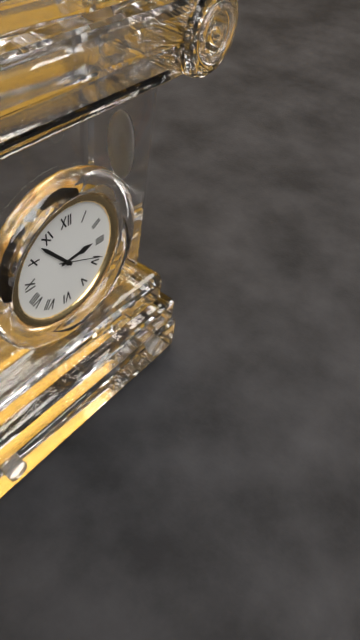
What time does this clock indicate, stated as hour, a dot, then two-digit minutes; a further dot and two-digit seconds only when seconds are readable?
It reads 2.53
